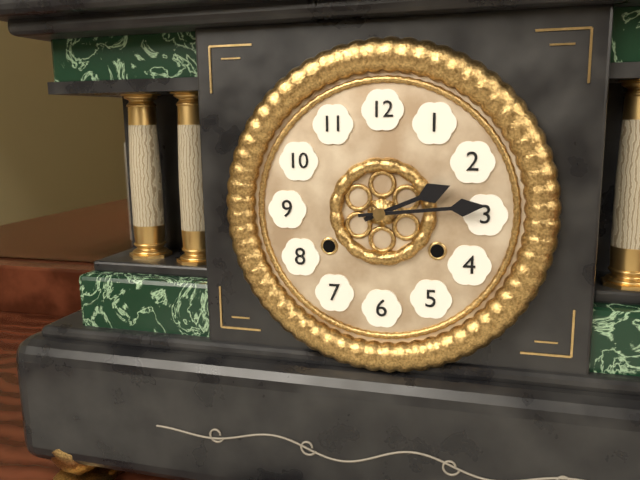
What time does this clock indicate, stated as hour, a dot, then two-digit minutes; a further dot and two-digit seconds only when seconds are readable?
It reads 2.14
